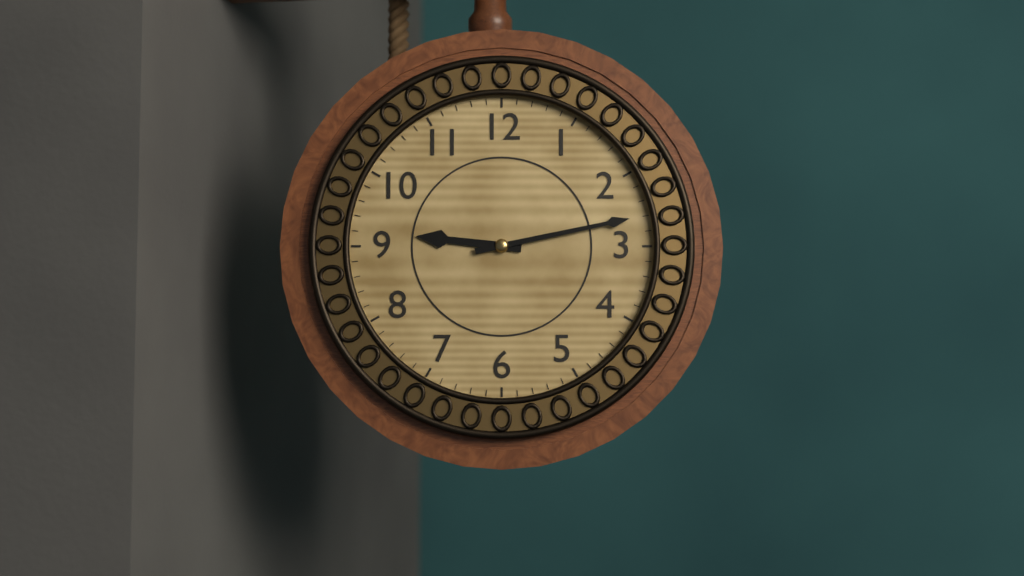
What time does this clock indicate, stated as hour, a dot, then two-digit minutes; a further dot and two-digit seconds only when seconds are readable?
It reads 9.13
